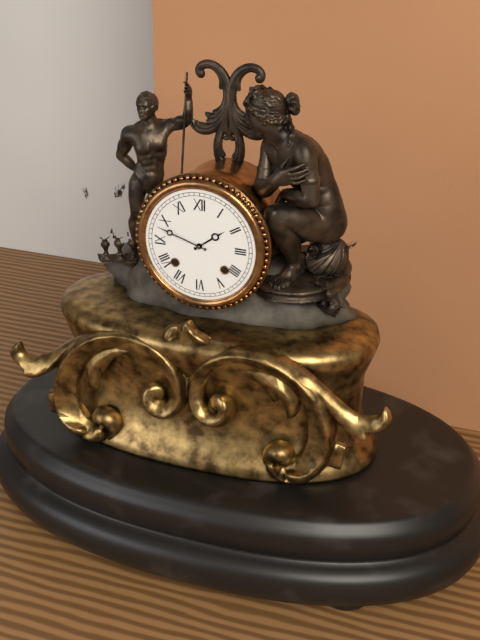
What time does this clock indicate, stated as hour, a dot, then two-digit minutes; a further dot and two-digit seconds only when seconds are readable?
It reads 1.48
